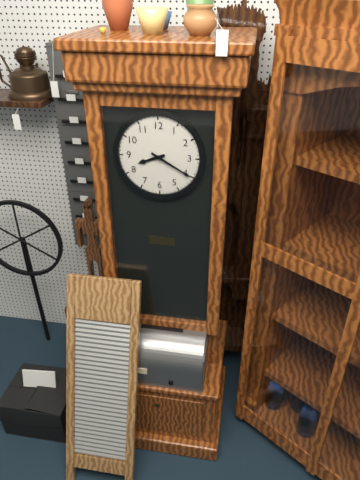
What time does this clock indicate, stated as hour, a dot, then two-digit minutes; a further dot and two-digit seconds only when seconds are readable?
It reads 8.20
